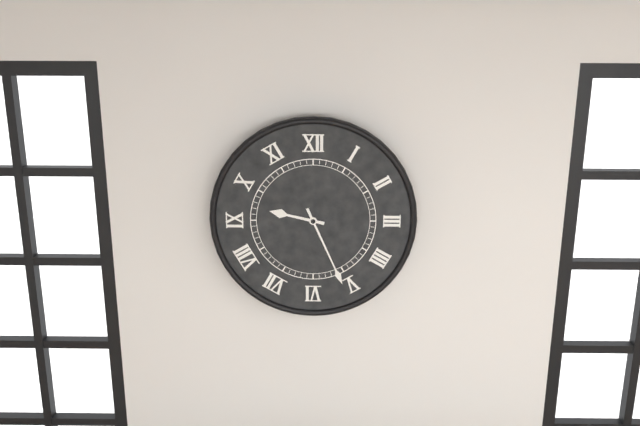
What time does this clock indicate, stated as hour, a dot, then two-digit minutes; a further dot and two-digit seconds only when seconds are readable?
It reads 9.26
